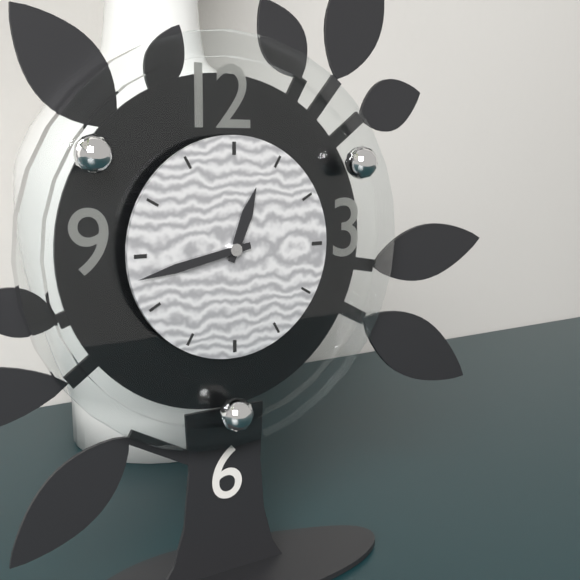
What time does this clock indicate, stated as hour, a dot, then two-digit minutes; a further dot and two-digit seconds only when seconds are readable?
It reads 12.43
